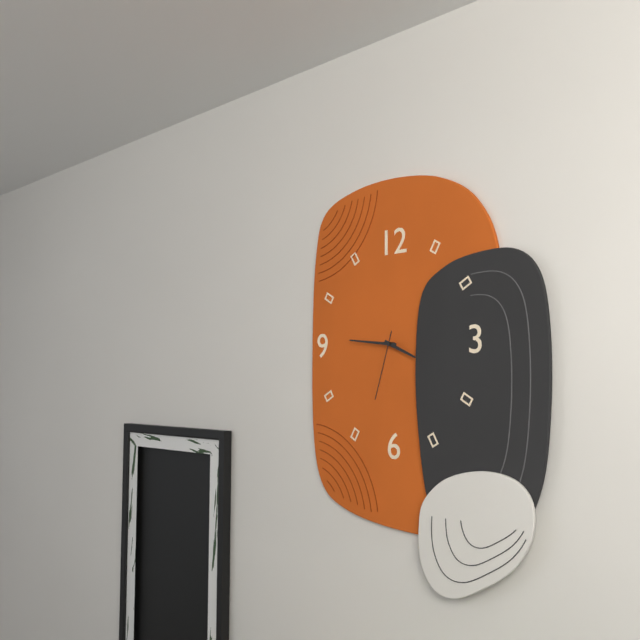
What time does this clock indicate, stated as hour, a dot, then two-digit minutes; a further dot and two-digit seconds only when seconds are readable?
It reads 3.46.33
